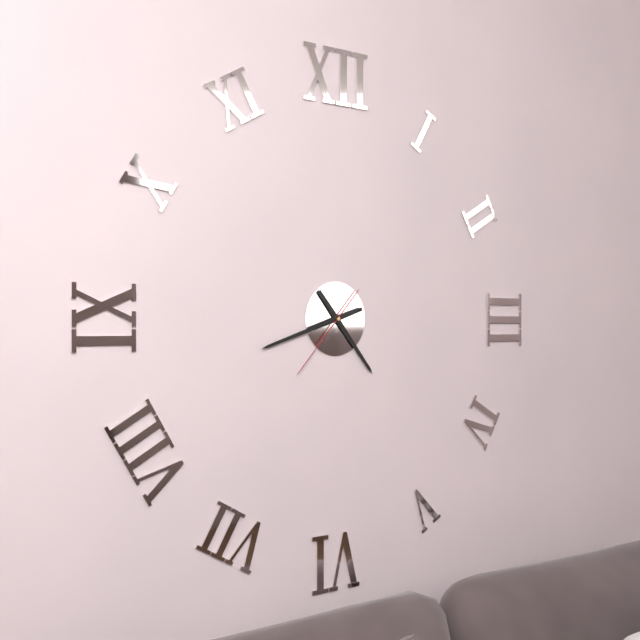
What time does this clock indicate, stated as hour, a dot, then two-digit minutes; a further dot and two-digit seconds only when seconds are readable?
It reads 4.42.37
